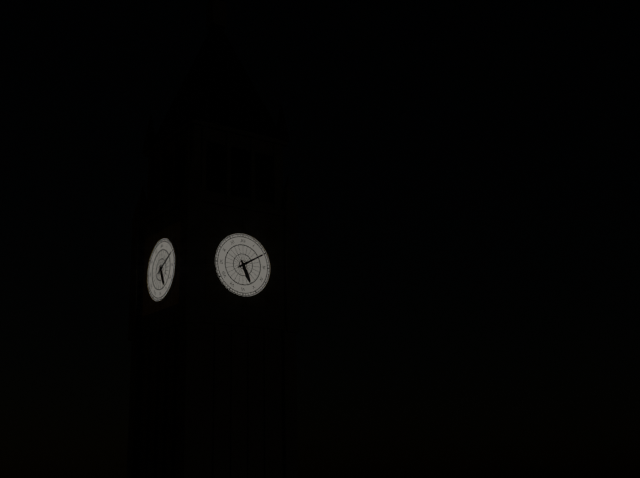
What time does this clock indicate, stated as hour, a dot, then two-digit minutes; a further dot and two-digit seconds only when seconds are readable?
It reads 5.10
